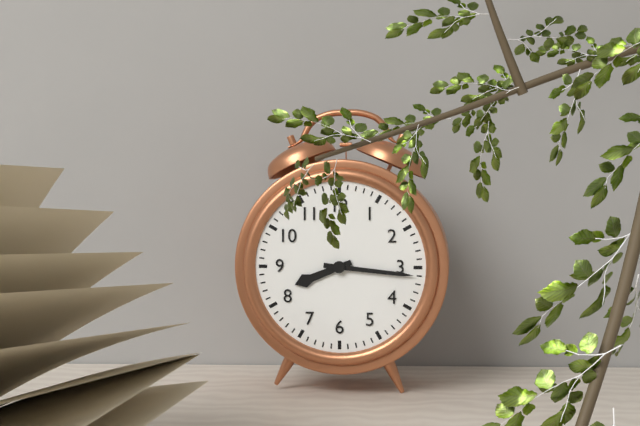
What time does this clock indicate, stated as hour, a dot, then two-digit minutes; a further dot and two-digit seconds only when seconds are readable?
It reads 8.16
